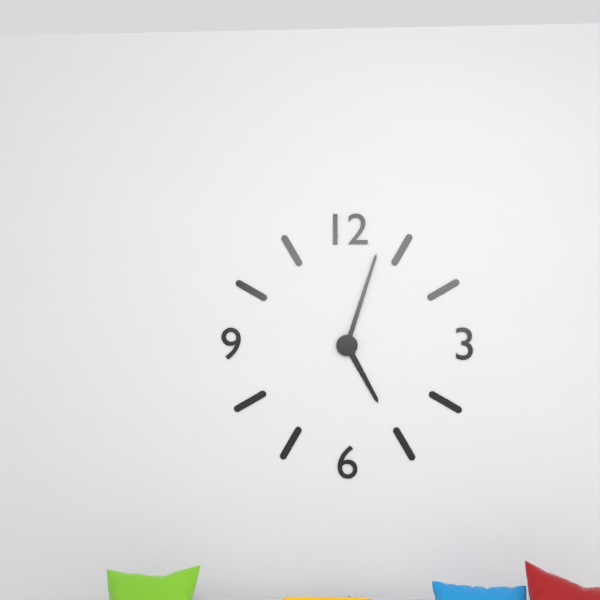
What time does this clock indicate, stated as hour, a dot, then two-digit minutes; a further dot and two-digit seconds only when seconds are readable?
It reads 5.03
